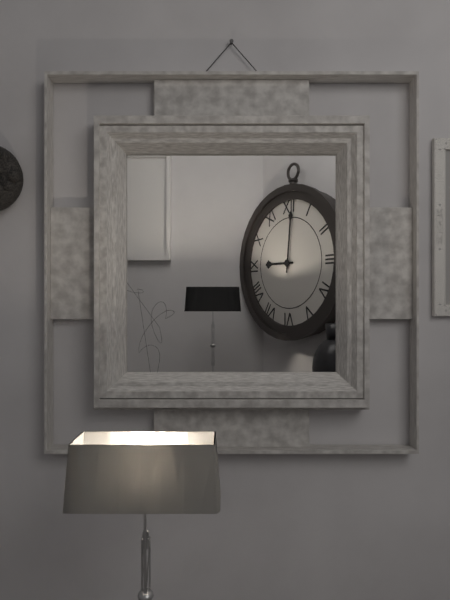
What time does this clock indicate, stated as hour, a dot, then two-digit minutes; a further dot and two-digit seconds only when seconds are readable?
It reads 9.01
